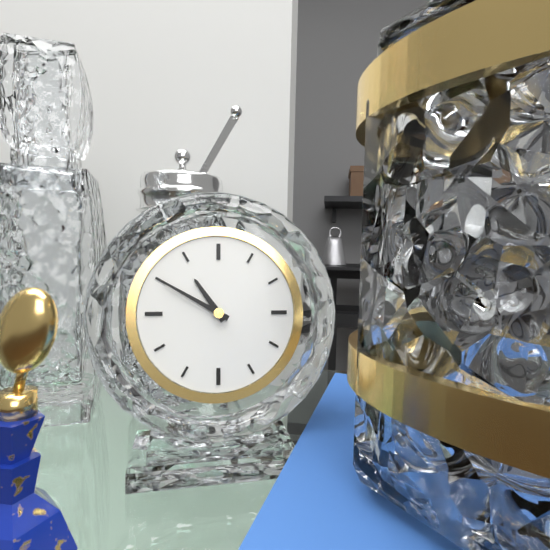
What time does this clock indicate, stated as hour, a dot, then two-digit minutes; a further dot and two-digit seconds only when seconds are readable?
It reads 10.50
